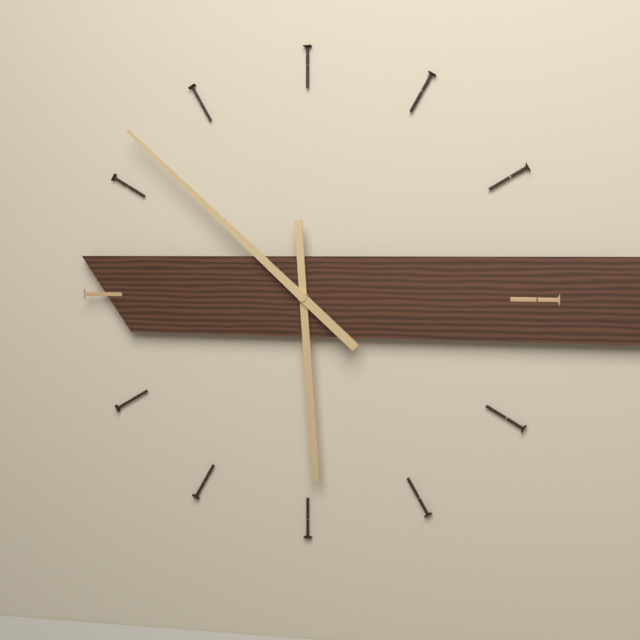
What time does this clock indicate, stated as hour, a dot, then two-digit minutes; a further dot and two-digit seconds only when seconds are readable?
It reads 5.52
